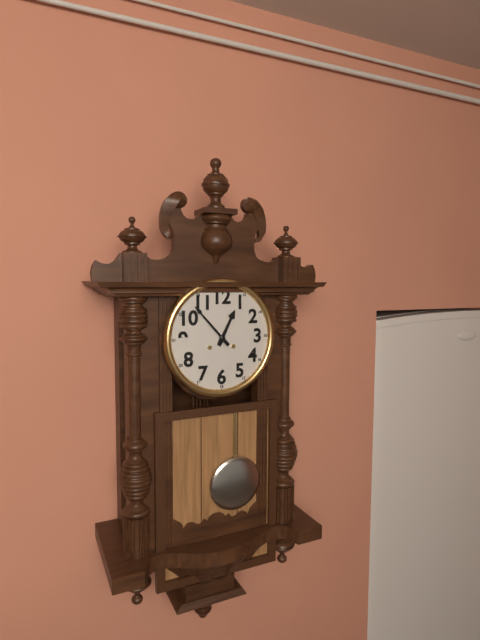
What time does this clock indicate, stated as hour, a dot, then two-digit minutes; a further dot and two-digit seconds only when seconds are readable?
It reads 12.53
